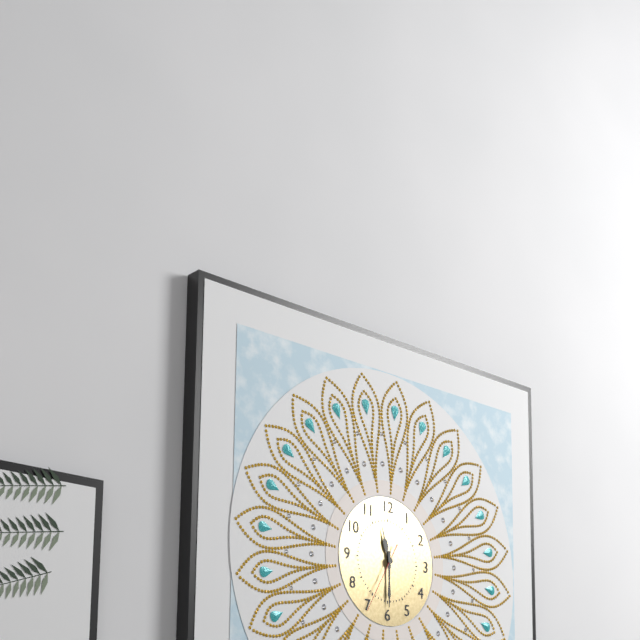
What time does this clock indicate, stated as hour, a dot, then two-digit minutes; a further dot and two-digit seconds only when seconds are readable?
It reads 11.30.35
